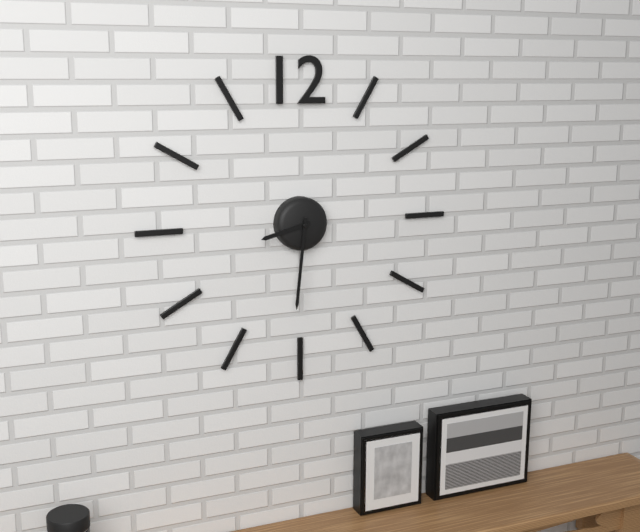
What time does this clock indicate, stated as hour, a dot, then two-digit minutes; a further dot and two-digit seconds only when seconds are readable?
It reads 8.31
